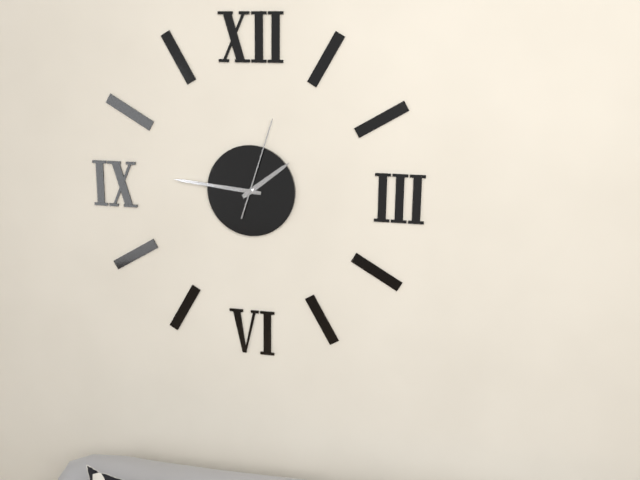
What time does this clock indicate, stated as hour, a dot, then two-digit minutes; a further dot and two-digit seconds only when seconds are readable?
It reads 1.46.03
